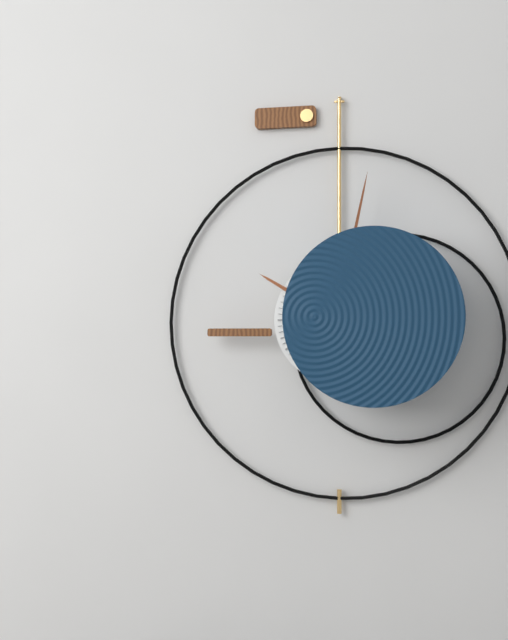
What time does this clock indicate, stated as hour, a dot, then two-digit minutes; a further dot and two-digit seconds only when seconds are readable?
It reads 10.02
